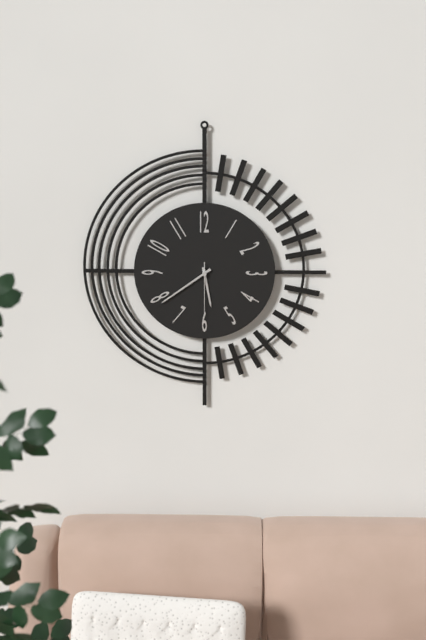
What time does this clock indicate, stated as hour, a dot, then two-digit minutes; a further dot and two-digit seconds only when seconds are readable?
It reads 5.39.30
